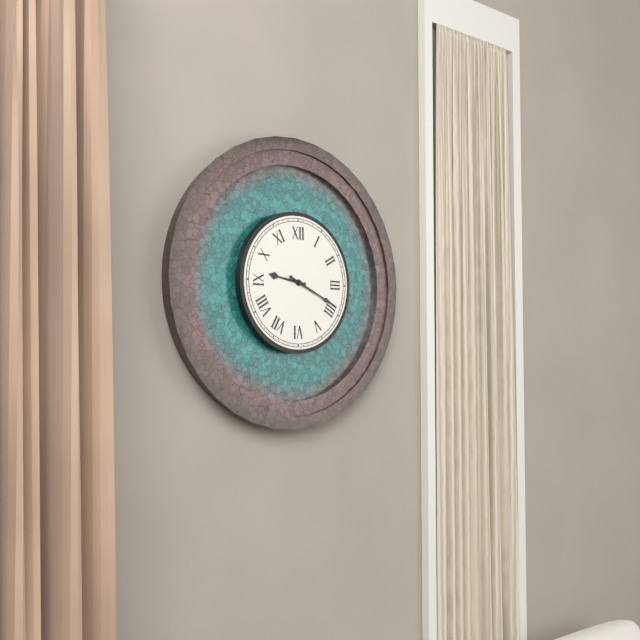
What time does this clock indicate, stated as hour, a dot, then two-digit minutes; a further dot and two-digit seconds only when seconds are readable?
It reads 9.19
